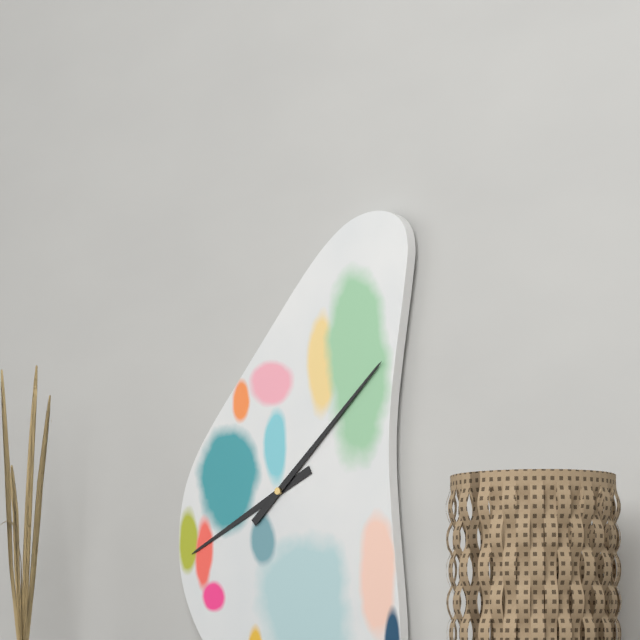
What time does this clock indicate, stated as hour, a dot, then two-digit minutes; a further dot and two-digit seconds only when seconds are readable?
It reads 8.08
